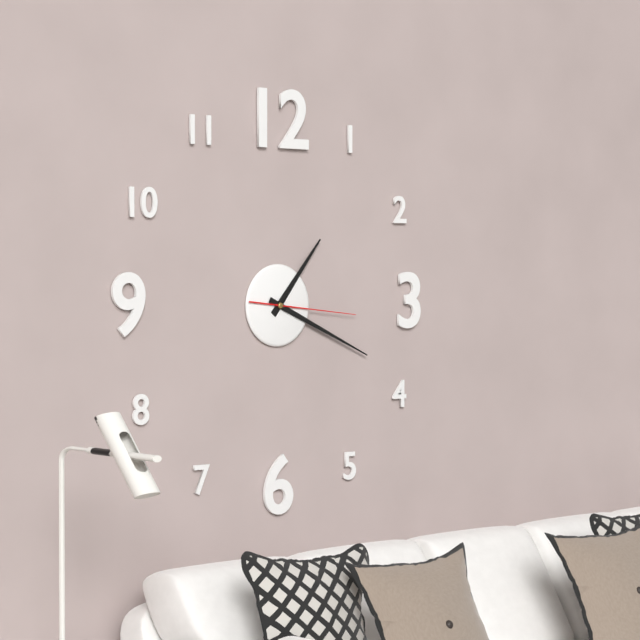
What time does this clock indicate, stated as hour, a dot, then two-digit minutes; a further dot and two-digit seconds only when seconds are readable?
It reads 1.19.16
